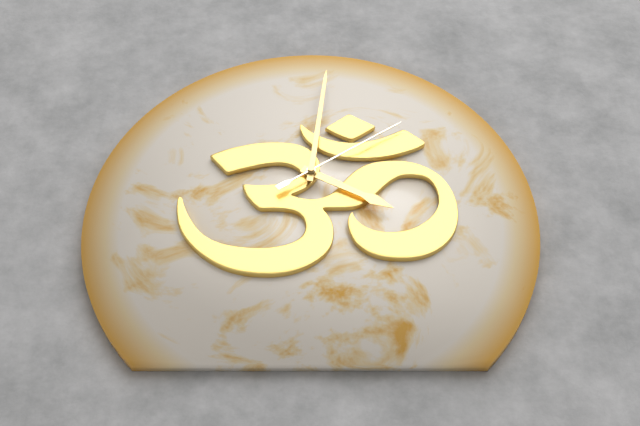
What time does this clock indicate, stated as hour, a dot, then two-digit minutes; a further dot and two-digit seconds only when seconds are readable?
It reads 4.01.09
